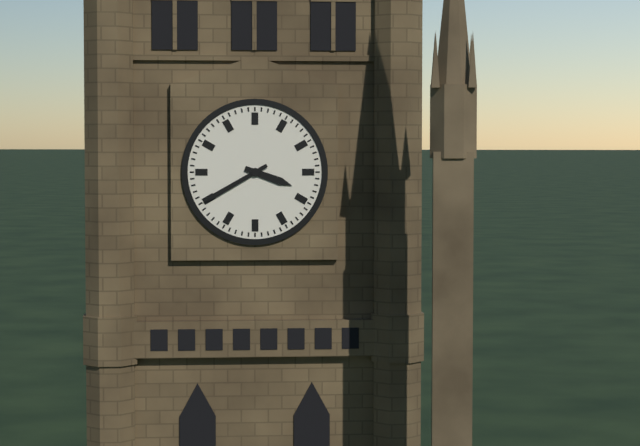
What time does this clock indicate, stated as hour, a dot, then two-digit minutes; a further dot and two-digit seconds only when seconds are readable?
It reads 3.40
